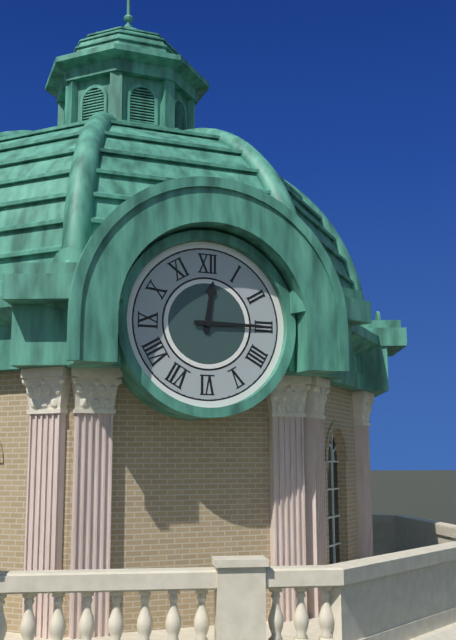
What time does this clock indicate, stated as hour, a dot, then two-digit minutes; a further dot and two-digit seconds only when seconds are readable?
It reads 12.15
